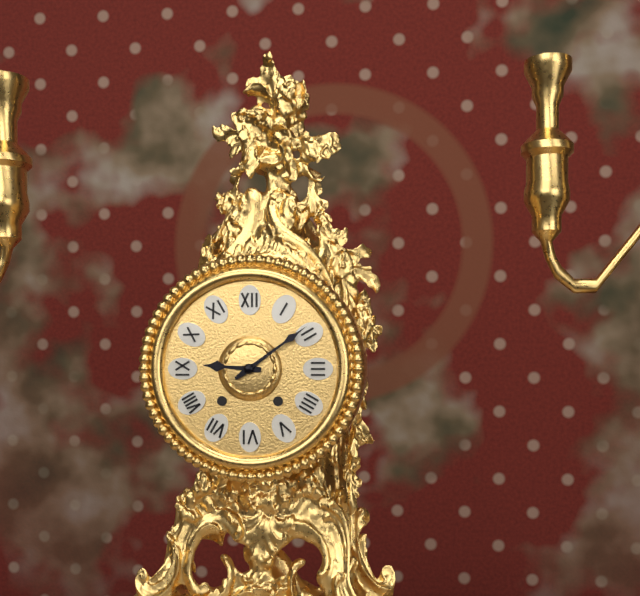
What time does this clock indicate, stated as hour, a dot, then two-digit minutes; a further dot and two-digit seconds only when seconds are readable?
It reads 9.09
